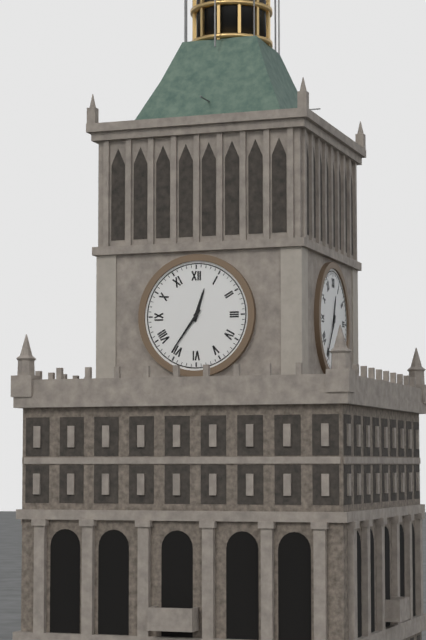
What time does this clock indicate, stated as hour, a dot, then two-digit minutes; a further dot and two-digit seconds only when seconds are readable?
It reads 12.36
